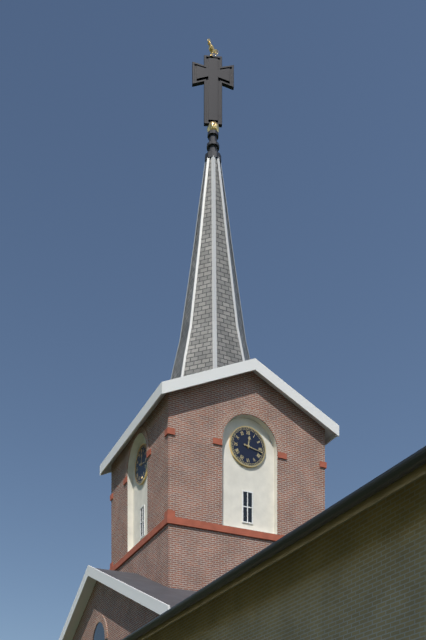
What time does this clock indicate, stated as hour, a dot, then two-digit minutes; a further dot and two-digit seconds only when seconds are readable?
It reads 12.17
